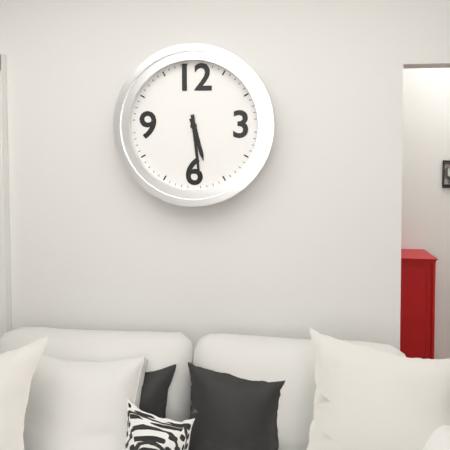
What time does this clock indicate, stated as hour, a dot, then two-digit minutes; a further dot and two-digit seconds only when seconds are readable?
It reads 5.29
